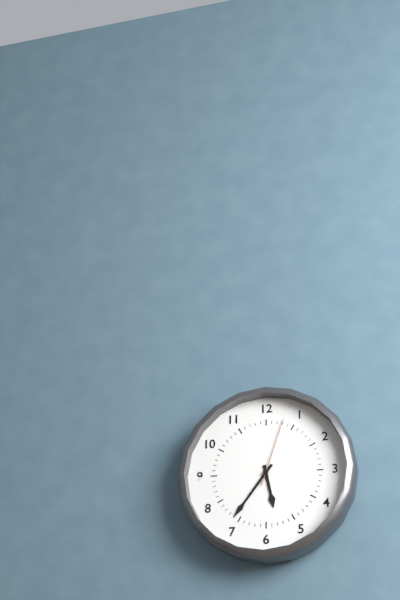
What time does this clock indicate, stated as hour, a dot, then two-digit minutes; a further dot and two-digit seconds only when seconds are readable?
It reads 5.36.03
